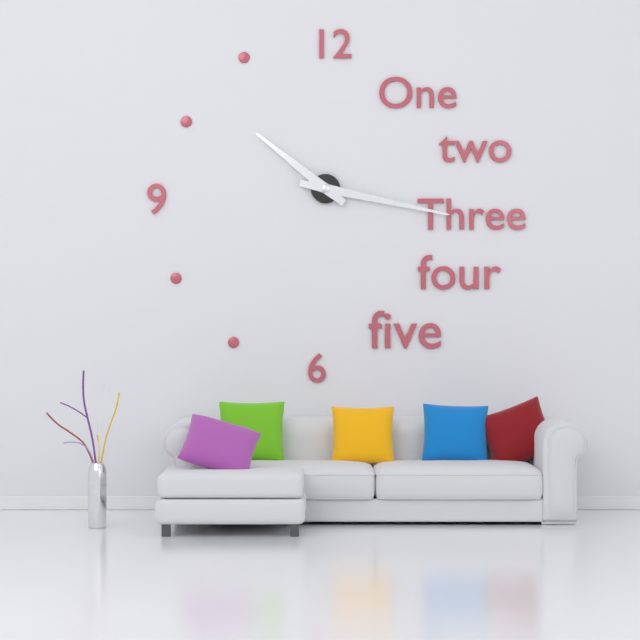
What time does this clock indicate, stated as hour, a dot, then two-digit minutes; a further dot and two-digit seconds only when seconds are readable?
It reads 10.17
